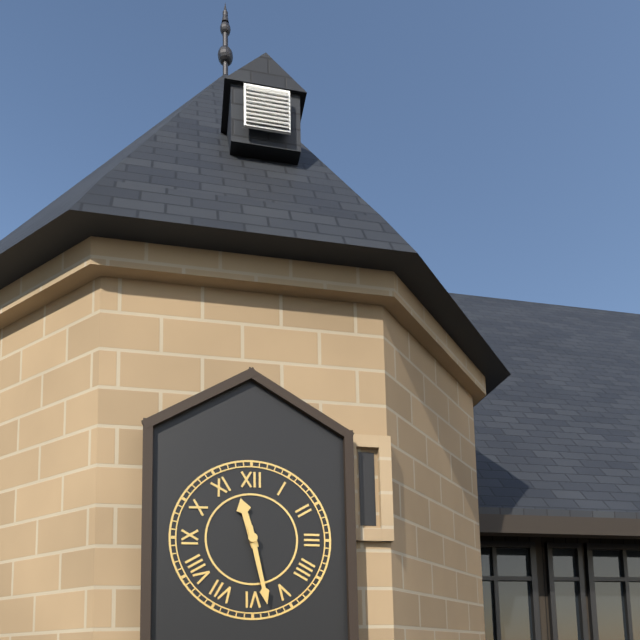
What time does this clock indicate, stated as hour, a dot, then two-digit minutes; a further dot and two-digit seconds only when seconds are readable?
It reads 11.28
